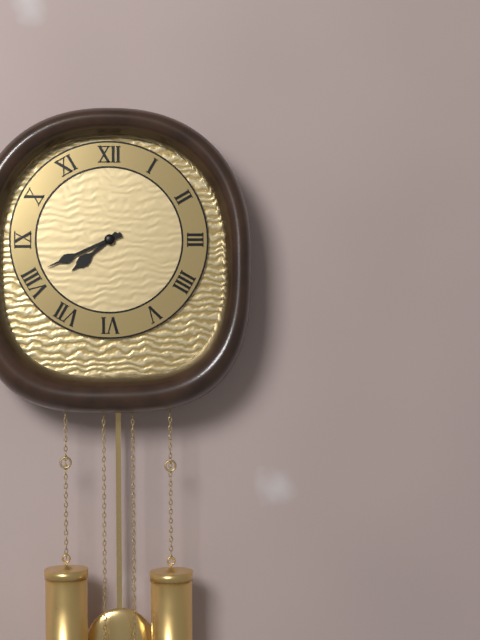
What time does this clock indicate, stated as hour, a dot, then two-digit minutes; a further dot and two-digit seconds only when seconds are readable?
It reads 7.41
